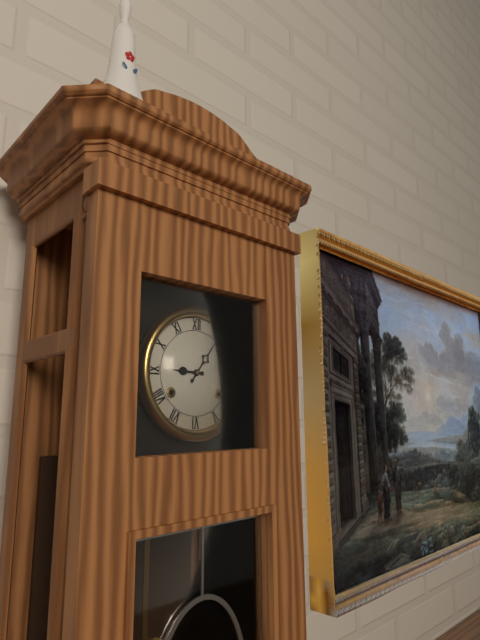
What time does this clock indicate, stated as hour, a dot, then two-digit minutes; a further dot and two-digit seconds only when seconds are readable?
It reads 9.06
